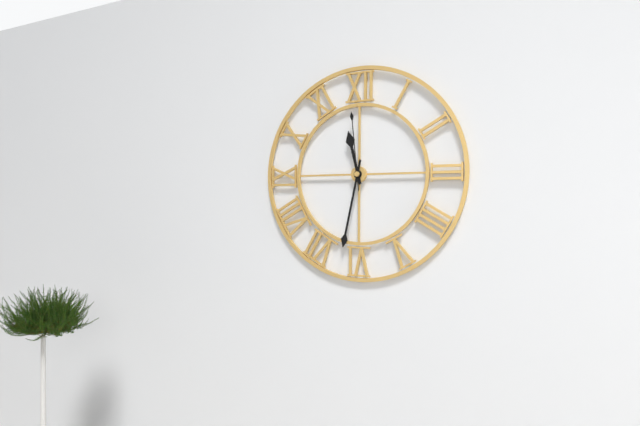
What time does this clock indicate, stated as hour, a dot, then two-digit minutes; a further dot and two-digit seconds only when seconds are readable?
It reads 11.32.59
